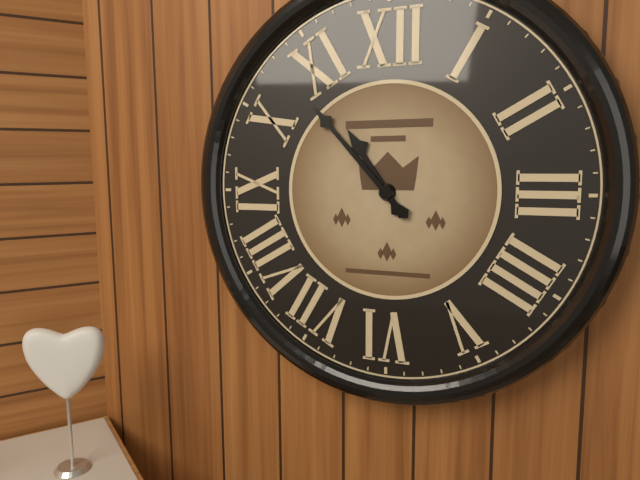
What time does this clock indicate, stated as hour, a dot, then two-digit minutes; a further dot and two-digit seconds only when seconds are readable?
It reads 10.53
